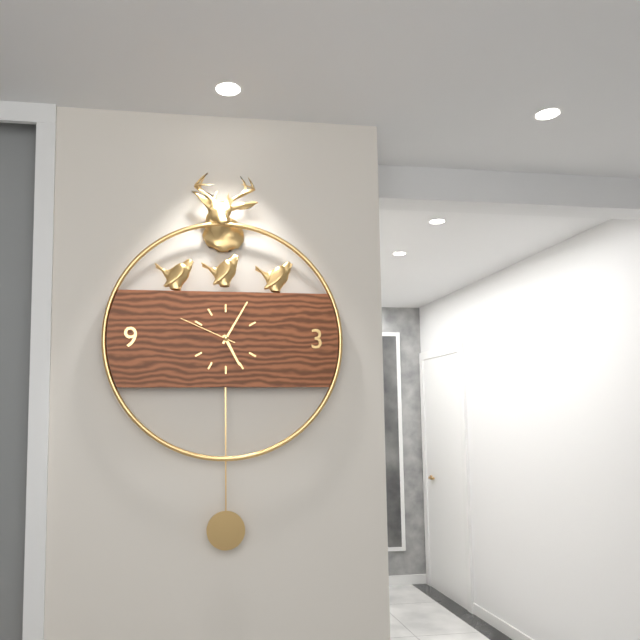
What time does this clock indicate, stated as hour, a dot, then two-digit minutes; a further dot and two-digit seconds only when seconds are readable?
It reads 5.05.49
